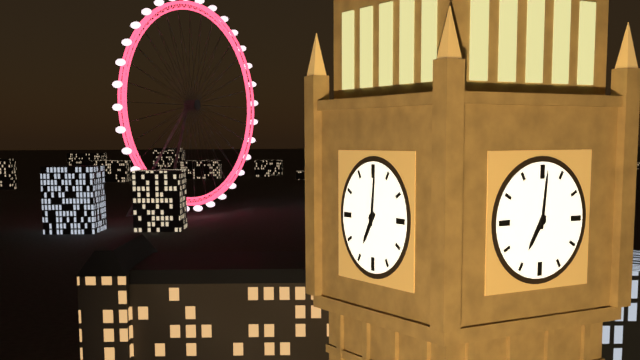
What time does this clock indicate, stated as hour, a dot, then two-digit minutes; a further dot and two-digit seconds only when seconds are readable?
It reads 7.01
